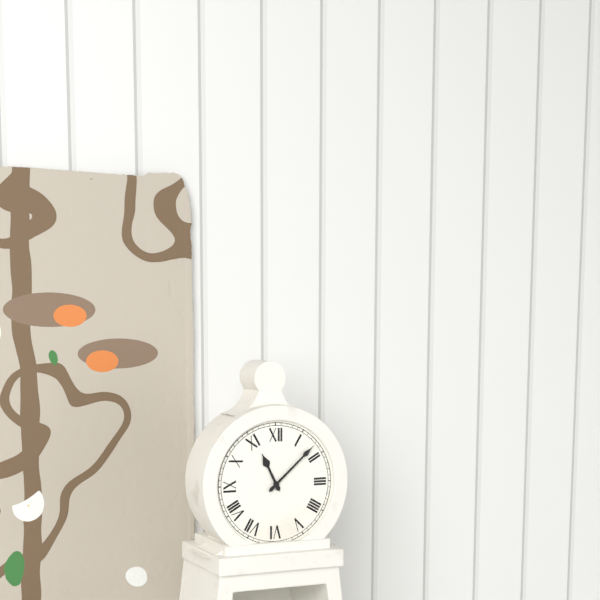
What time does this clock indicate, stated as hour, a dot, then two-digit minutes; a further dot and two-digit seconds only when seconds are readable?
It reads 11.08
